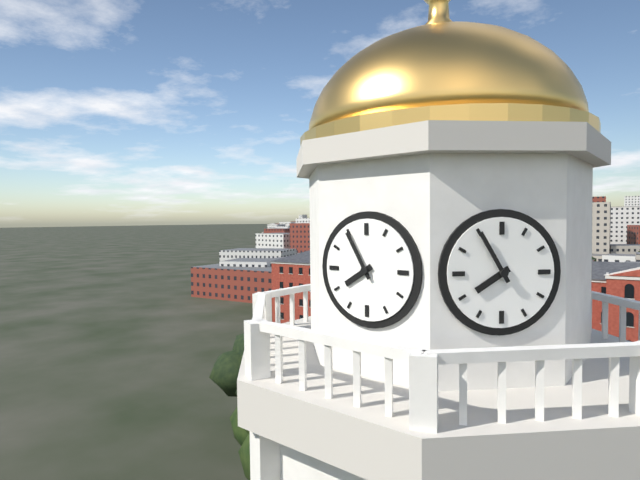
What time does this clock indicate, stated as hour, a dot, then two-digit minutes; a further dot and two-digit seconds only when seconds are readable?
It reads 7.55
